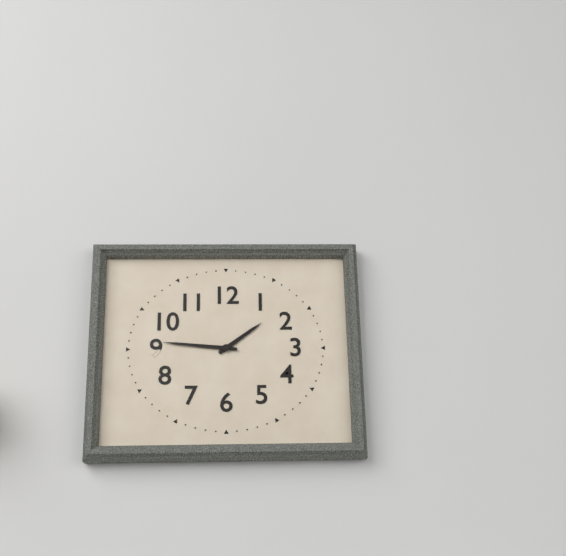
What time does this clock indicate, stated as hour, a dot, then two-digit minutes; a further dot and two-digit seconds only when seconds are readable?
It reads 1.46
